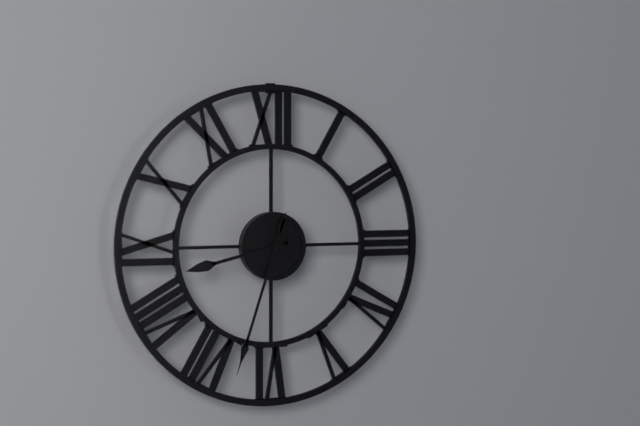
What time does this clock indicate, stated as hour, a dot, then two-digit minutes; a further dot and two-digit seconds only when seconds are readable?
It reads 8.33
